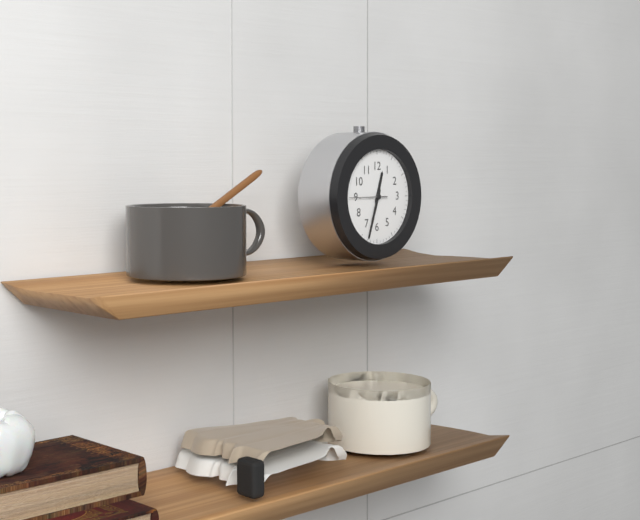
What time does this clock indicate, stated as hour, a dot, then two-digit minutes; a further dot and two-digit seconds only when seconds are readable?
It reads 12.33
